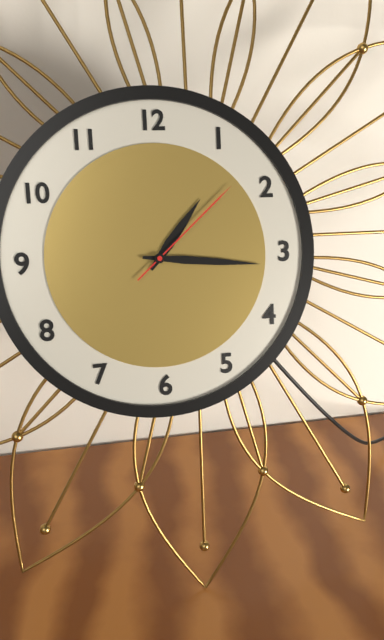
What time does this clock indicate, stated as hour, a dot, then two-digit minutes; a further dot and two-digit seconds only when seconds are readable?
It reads 1.16.08
